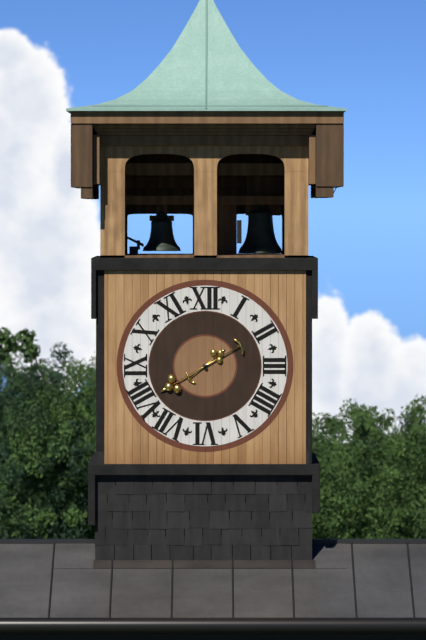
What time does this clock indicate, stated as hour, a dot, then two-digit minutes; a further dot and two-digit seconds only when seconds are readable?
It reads 1.40
